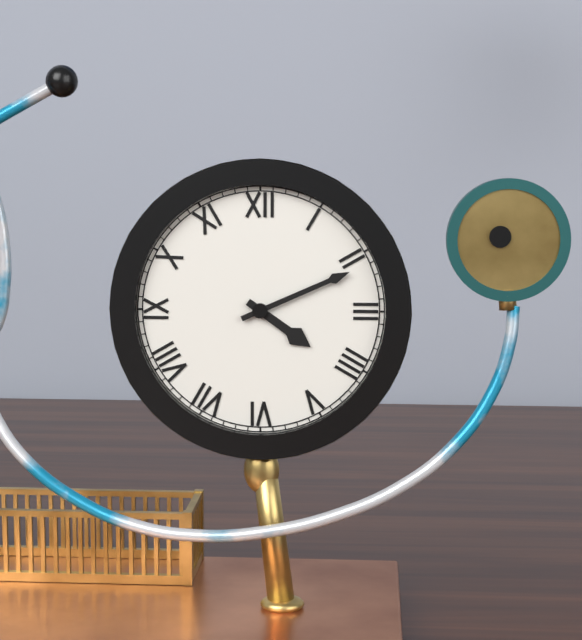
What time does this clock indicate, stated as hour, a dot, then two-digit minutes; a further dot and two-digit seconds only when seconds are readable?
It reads 4.11
